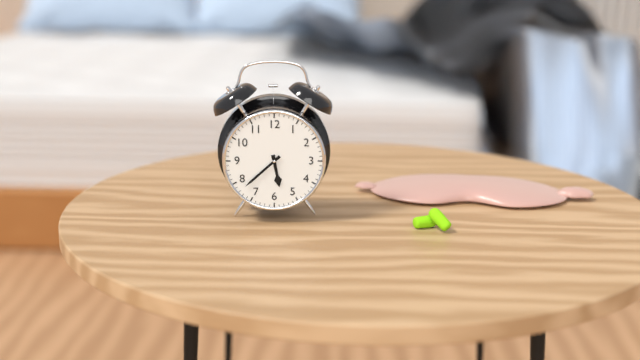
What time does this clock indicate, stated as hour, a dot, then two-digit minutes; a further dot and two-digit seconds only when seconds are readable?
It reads 5.38
